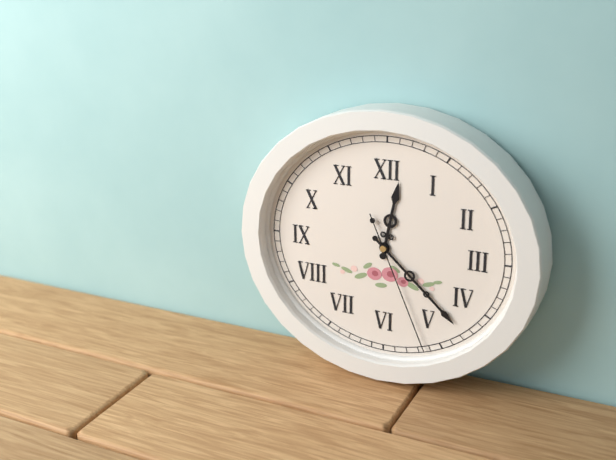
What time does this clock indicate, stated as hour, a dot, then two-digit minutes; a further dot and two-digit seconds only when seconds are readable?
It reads 12.22.26
